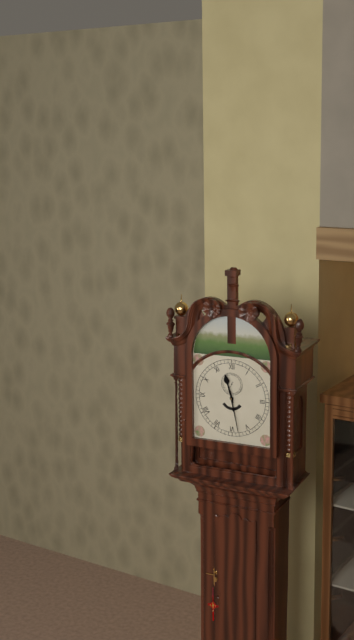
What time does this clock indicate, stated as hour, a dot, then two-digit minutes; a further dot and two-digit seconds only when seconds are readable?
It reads 11.28
